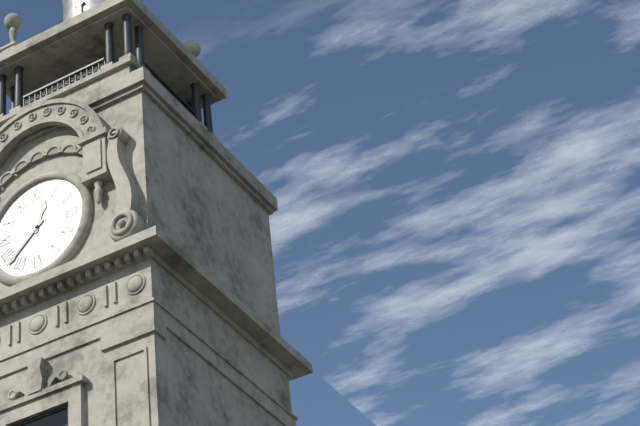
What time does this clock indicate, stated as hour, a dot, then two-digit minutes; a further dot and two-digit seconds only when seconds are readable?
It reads 12.38
